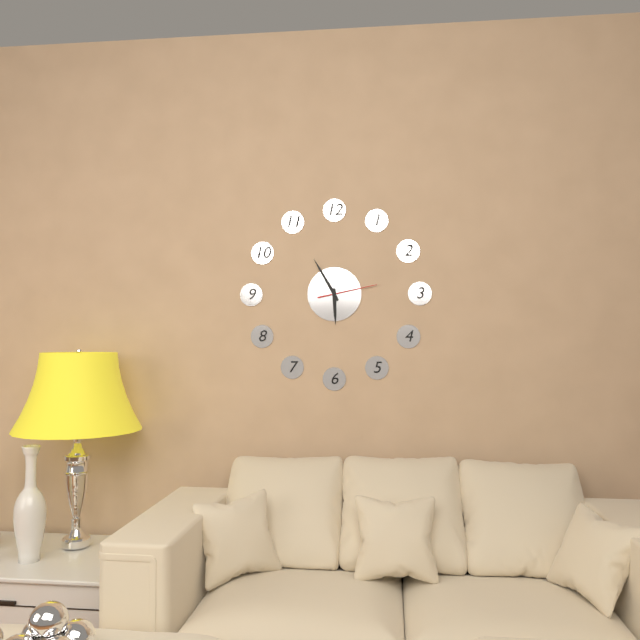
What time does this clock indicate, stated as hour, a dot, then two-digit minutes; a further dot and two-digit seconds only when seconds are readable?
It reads 5.55.13
